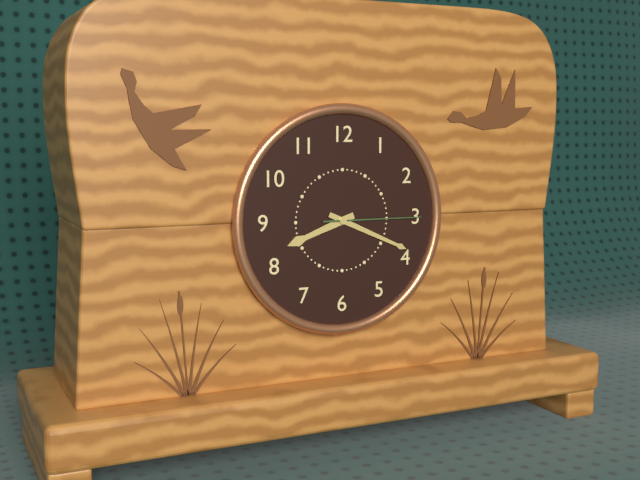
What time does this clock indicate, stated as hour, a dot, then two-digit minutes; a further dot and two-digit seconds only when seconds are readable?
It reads 8.19.15
